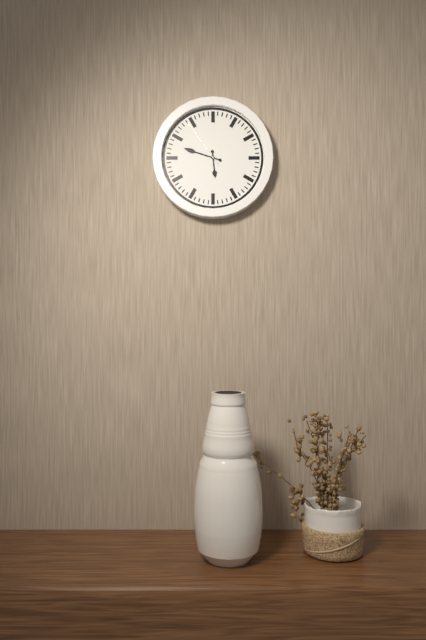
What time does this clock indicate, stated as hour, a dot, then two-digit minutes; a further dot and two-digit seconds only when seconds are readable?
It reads 5.48.54
